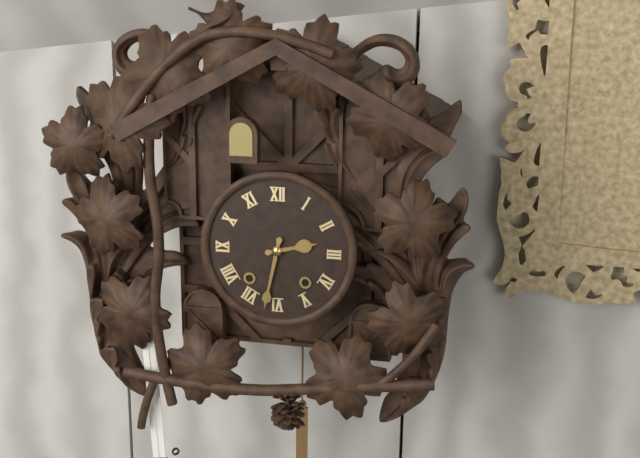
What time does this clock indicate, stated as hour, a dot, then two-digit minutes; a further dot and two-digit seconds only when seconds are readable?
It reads 2.32
